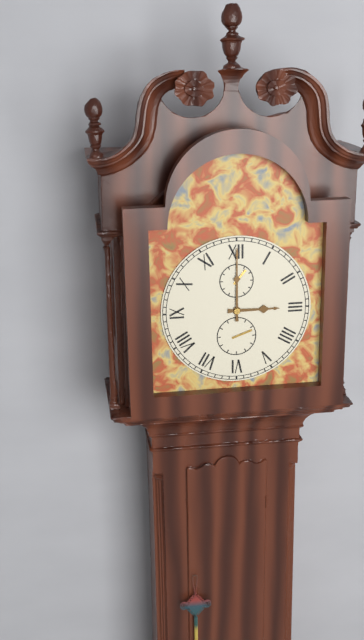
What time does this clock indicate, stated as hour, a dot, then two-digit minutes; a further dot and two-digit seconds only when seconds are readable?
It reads 3.00
